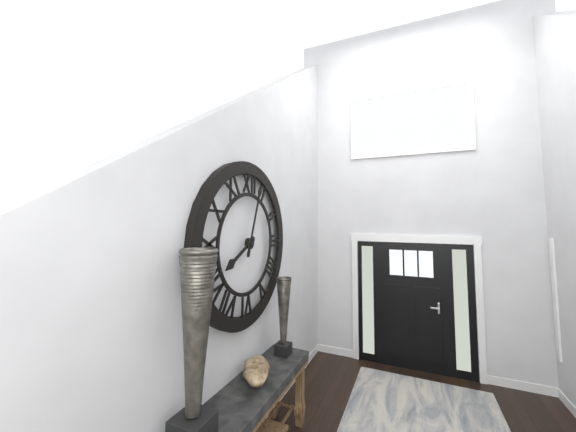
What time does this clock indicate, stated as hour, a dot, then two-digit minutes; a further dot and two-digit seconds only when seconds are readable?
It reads 8.03
